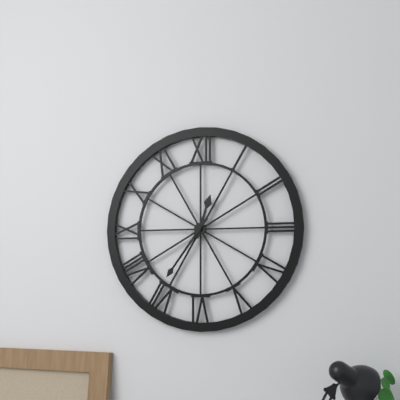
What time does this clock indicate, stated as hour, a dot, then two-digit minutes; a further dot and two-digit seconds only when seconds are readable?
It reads 12.36
